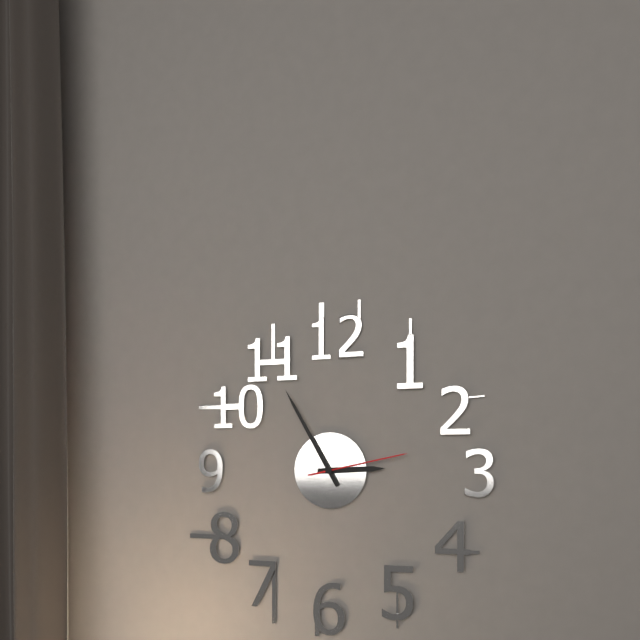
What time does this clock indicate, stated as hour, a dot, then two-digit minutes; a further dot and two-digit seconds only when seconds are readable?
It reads 2.55.13
